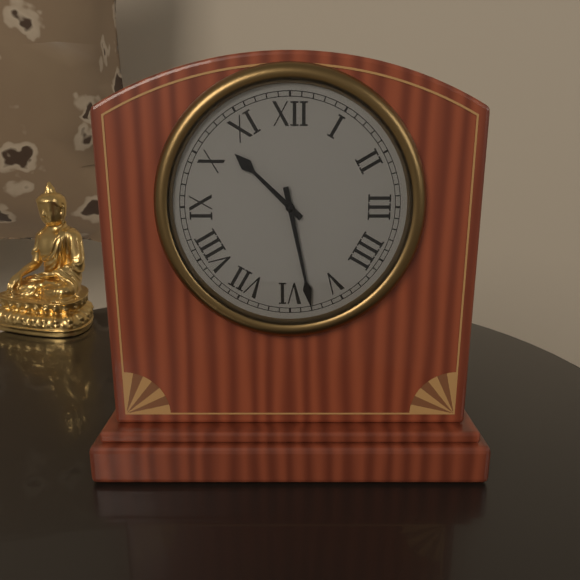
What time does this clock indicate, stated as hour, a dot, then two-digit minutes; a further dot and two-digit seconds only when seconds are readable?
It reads 10.28
